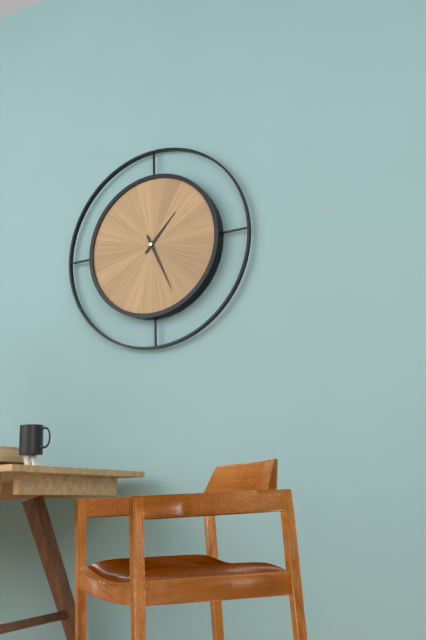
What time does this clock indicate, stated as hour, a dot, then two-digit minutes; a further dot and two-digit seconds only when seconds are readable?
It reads 1.26
